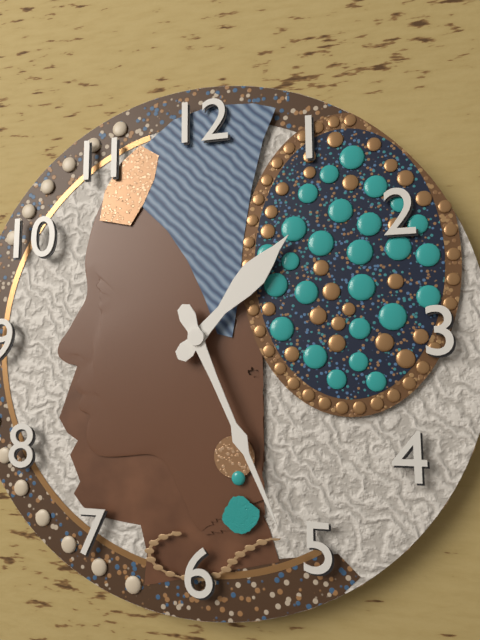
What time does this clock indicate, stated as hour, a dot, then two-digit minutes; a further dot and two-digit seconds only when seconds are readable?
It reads 1.26
